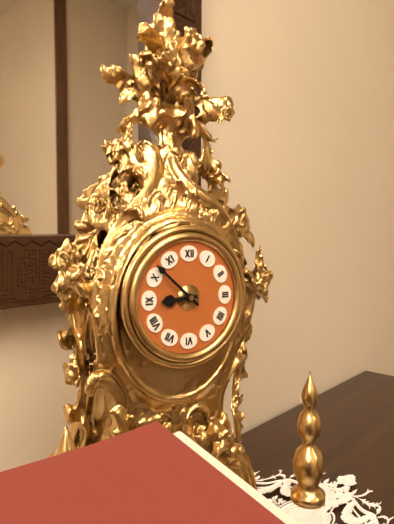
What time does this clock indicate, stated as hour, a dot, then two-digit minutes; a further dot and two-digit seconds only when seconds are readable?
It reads 8.52
